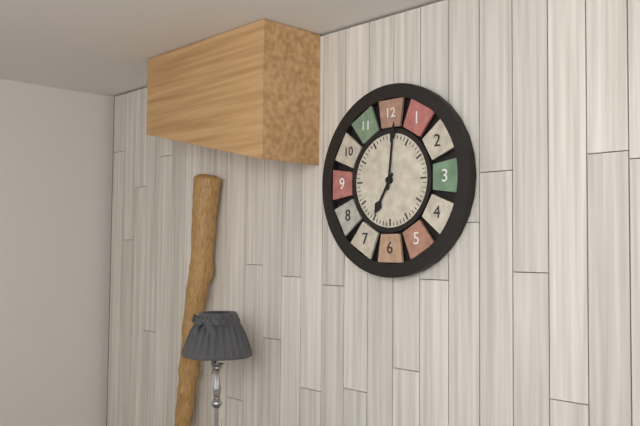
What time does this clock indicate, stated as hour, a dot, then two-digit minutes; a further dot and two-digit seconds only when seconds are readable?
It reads 7.01
